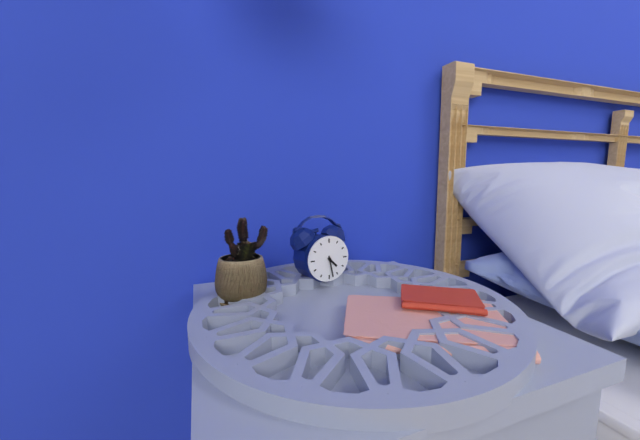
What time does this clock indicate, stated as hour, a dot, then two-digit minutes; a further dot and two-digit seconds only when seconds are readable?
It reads 4.28
